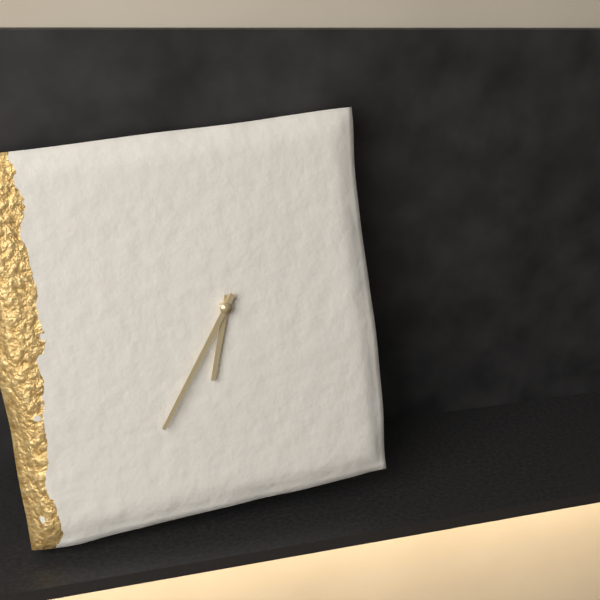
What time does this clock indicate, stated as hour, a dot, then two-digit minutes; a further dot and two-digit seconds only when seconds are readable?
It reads 6.36
